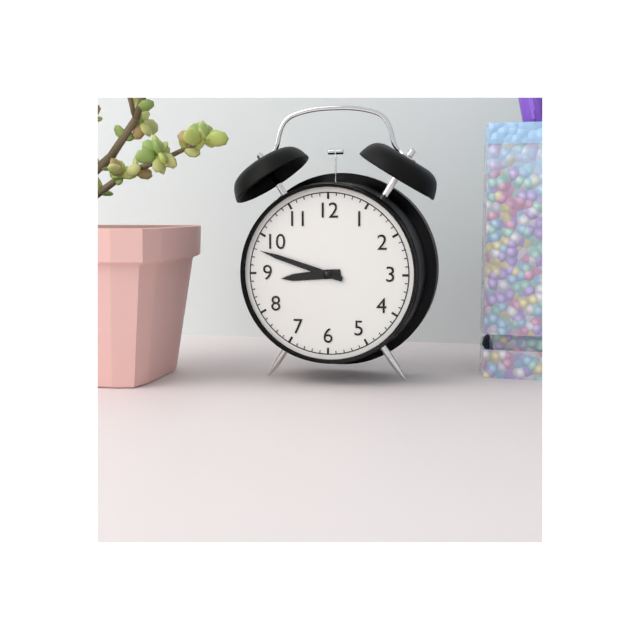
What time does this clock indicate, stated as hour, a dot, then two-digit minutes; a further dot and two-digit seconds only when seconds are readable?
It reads 8.48
